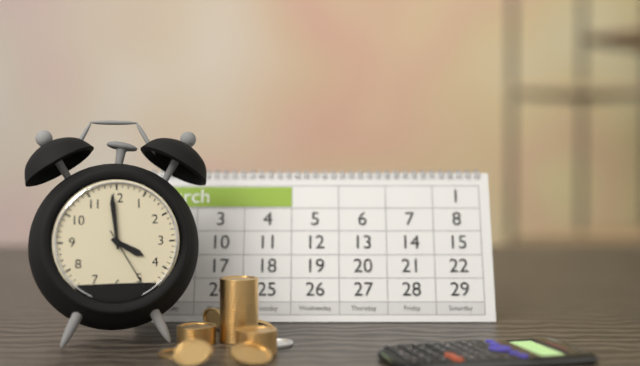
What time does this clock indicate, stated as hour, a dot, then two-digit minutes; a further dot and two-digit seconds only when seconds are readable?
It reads 3.59.25
